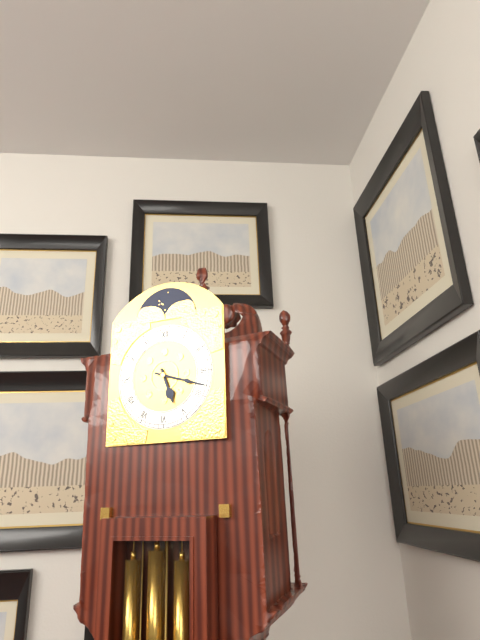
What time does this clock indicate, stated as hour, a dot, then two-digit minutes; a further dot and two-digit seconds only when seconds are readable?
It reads 5.18
